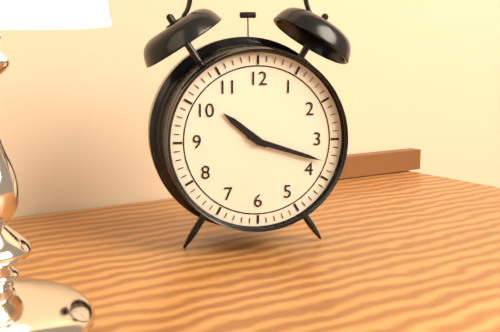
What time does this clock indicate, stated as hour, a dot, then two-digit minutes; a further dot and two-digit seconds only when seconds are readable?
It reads 10.18
